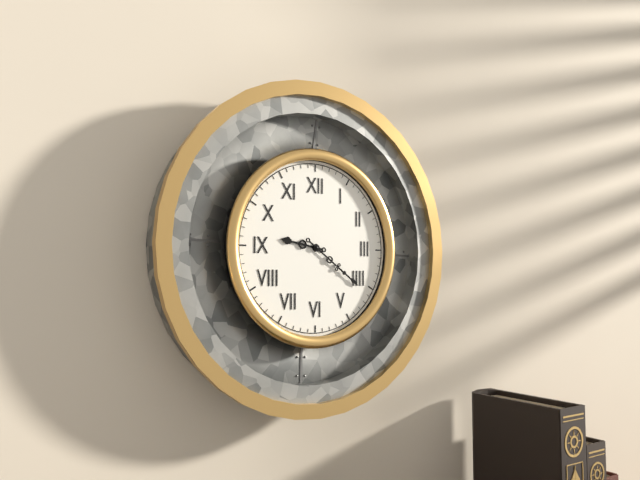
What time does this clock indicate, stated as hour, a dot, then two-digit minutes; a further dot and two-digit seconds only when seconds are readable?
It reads 9.21
